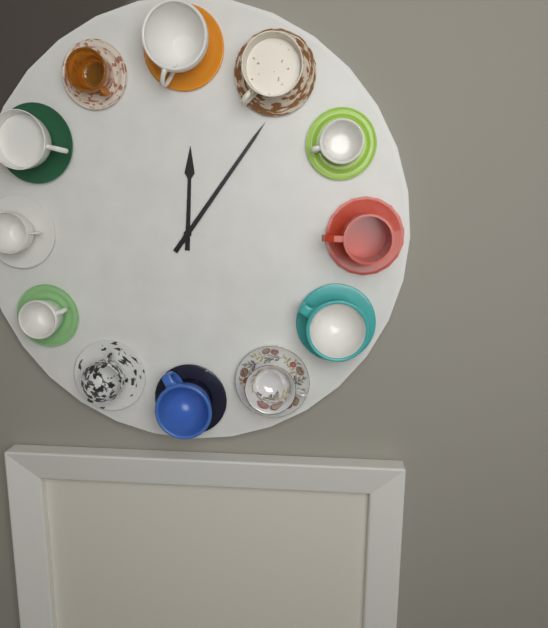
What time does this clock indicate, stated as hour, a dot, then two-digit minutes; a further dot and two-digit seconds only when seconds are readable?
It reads 12.06
